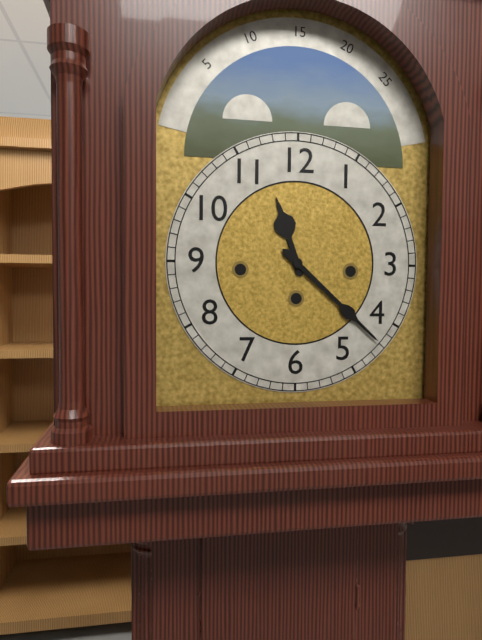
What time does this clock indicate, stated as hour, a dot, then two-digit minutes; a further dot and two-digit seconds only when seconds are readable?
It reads 11.22
